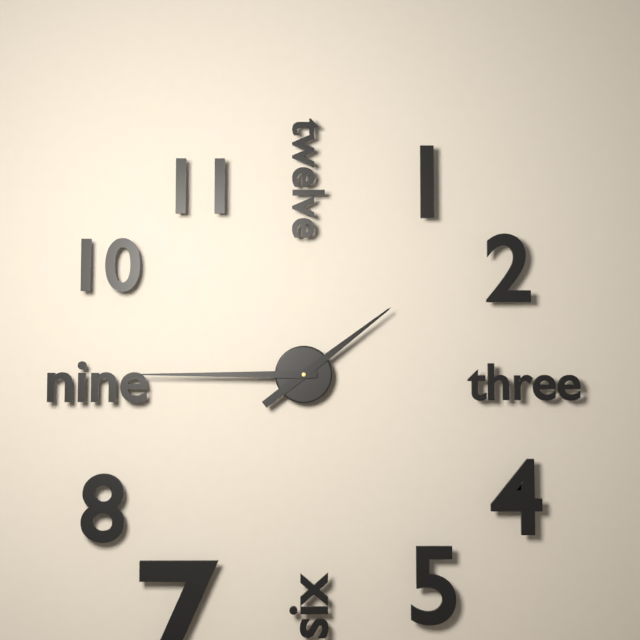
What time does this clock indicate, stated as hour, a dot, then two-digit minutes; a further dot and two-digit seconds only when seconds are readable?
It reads 1.45
